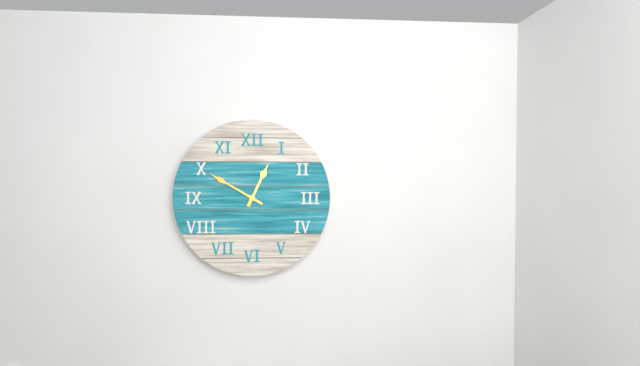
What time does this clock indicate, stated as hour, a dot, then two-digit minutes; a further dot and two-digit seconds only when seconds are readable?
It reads 12.50
